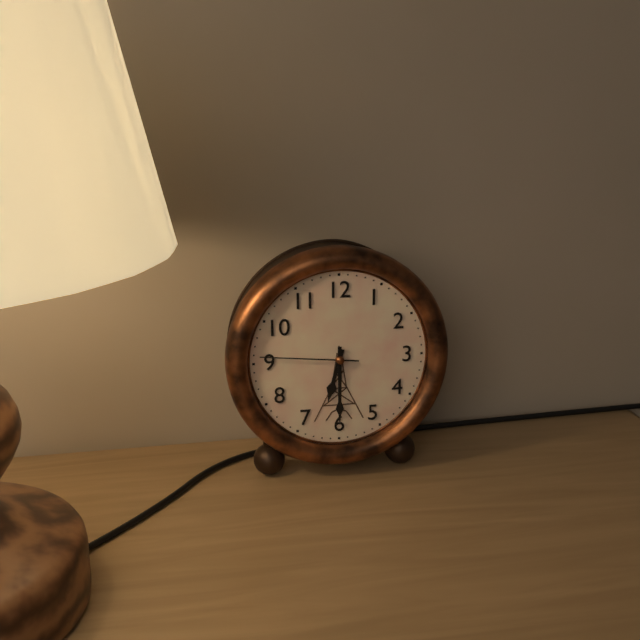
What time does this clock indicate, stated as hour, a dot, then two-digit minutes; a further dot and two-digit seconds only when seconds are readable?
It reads 6.30.46
